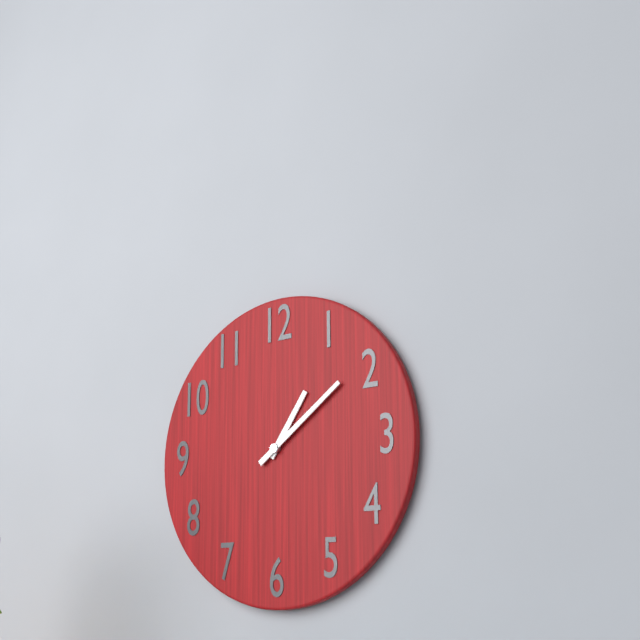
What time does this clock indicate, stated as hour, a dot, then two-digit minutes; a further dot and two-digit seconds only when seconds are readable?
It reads 1.09
